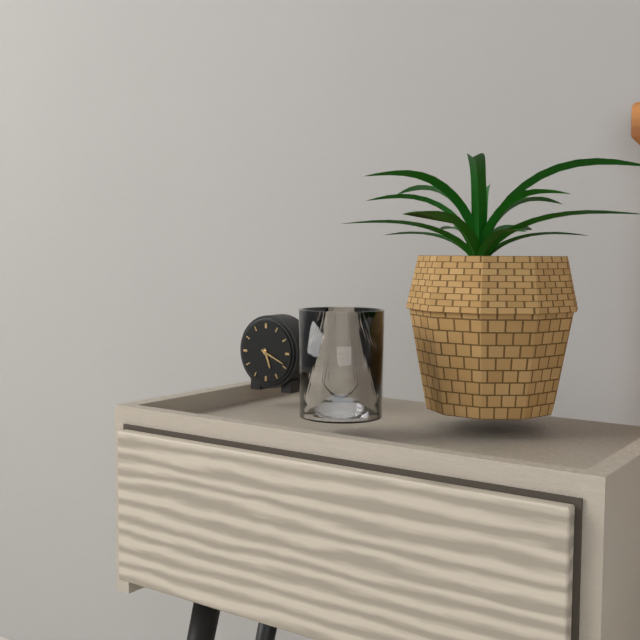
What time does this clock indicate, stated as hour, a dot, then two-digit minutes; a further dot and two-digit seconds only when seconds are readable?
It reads 5.19
